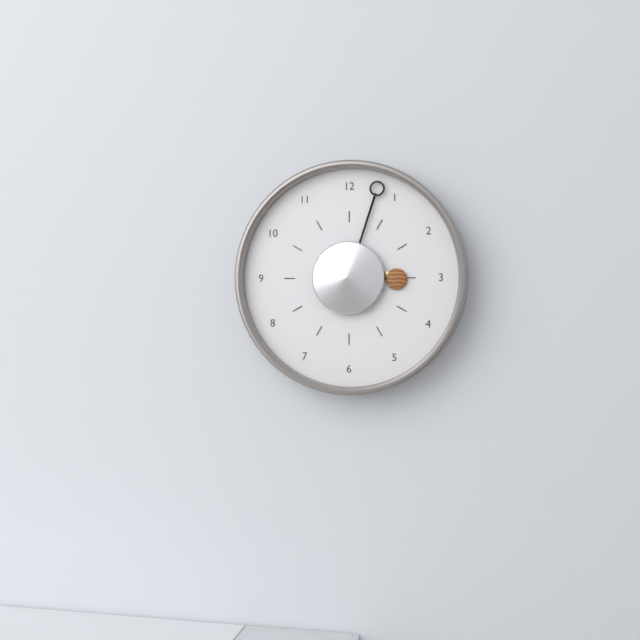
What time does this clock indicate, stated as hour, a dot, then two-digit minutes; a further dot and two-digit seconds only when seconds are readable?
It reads 3.03
